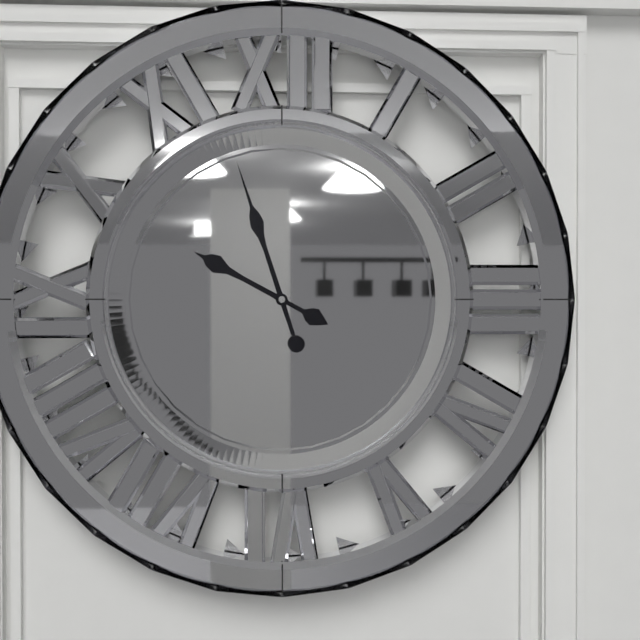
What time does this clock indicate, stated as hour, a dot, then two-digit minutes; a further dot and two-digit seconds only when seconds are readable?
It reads 9.57
